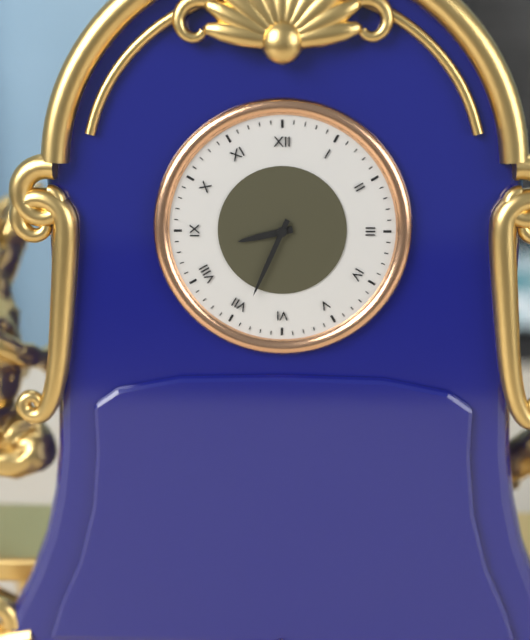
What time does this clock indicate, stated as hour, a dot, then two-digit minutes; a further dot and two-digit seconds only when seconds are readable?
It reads 8.34
